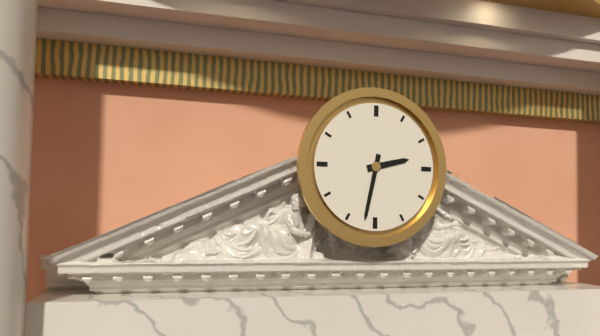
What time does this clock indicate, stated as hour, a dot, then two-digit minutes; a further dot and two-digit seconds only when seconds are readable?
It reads 2.32
